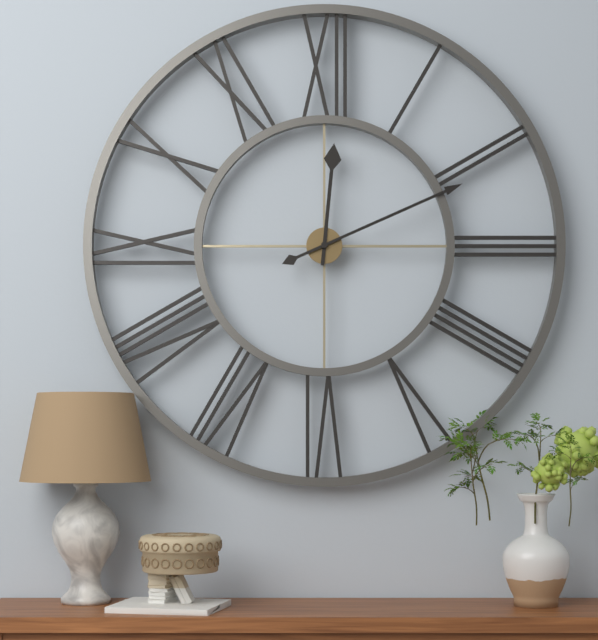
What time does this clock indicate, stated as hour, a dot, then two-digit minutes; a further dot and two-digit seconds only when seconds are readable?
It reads 12.11
